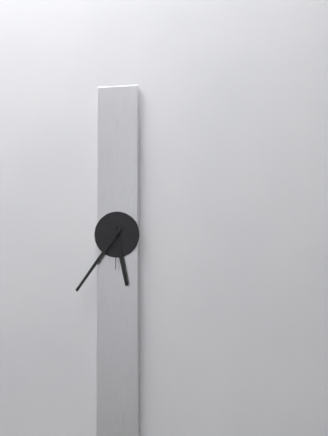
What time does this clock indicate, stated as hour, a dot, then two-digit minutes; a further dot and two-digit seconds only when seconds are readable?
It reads 5.36
